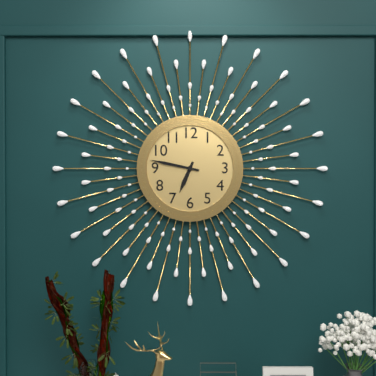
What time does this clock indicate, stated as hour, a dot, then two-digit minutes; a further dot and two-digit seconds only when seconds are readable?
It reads 6.47
